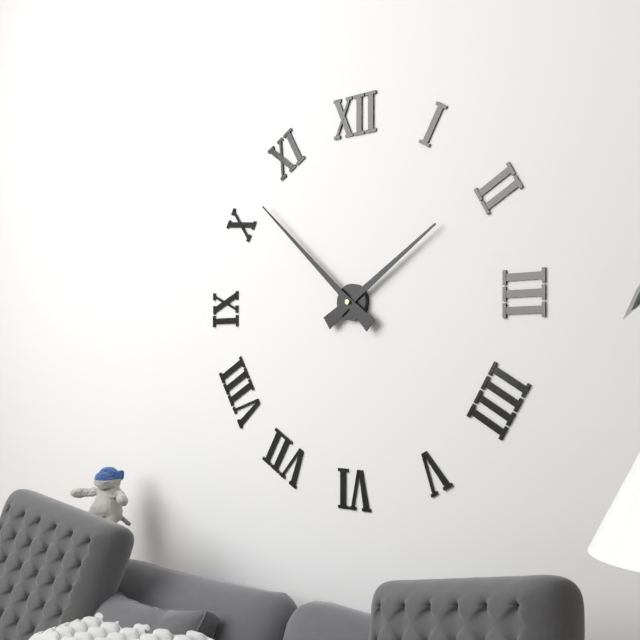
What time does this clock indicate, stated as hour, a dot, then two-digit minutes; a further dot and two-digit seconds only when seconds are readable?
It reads 1.52
